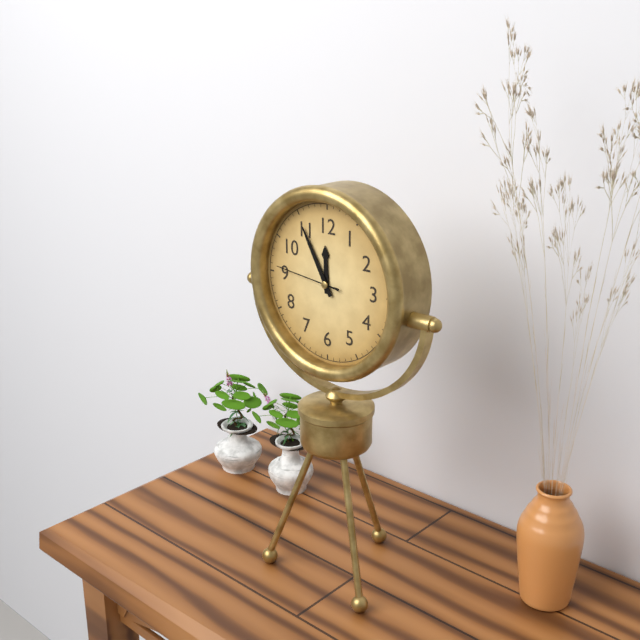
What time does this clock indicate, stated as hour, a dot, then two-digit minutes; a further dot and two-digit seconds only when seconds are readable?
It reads 11.55.46
